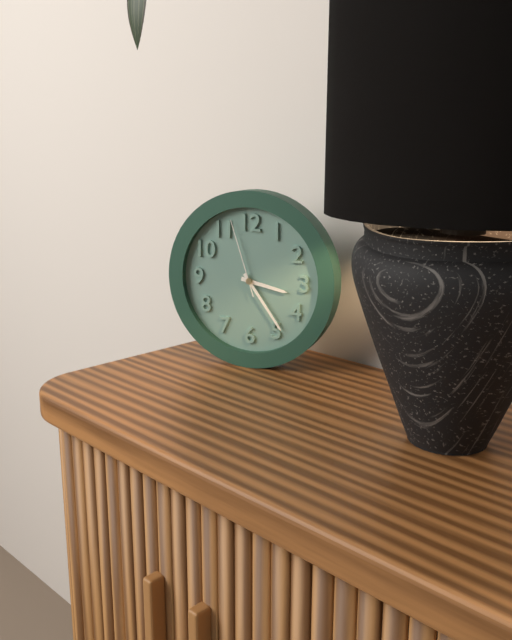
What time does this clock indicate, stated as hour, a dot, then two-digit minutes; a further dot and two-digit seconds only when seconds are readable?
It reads 3.24.57
